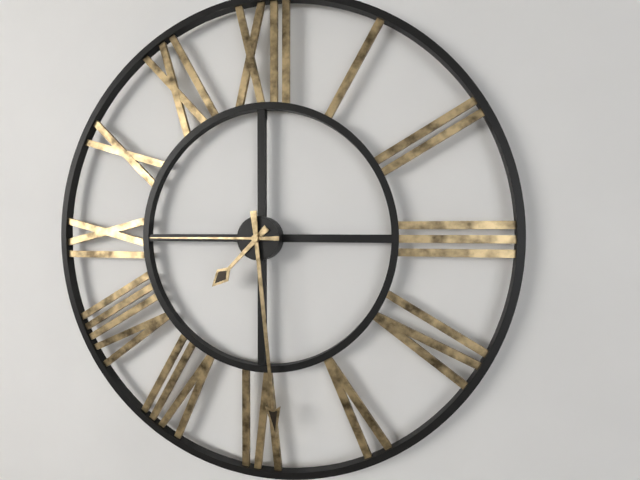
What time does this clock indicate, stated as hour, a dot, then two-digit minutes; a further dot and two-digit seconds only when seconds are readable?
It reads 7.29.45
